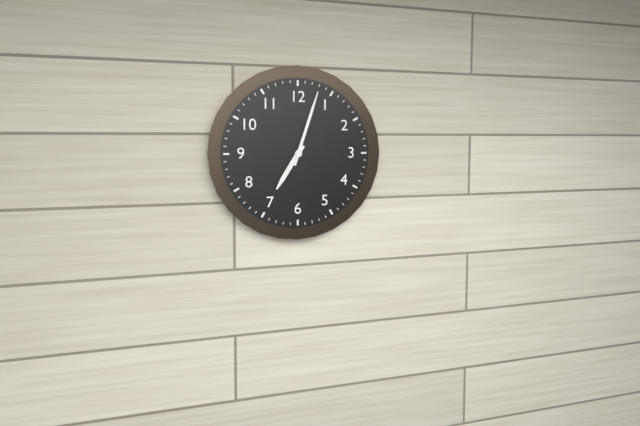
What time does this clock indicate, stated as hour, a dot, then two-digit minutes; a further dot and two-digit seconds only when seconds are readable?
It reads 7.03
